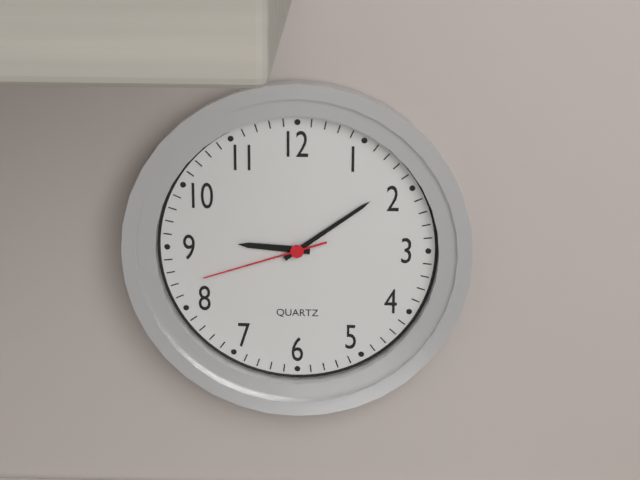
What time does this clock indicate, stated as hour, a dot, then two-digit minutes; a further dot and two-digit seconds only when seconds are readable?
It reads 9.09.42
